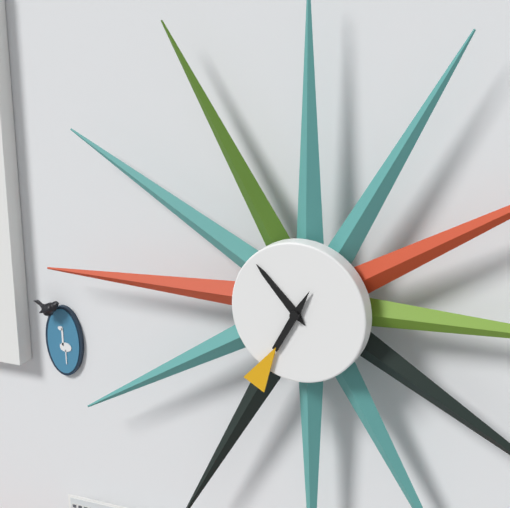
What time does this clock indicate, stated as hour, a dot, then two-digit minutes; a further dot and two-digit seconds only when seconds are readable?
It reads 10.35
